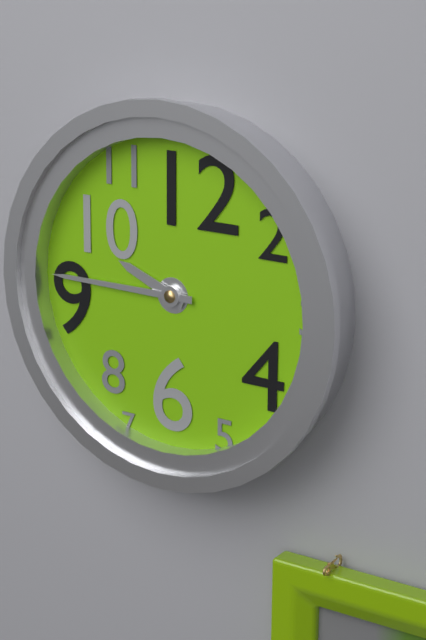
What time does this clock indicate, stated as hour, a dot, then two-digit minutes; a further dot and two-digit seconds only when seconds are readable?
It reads 9.45
